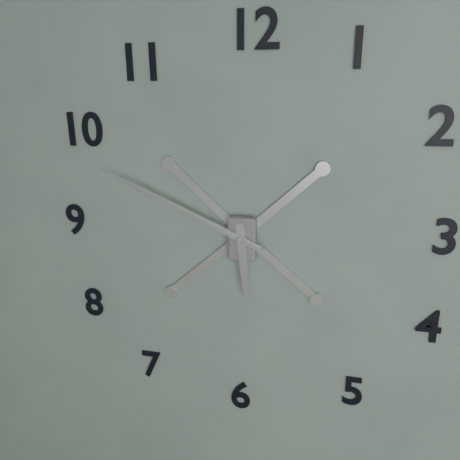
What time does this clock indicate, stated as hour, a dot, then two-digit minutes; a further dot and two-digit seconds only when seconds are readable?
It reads 5.49.49
